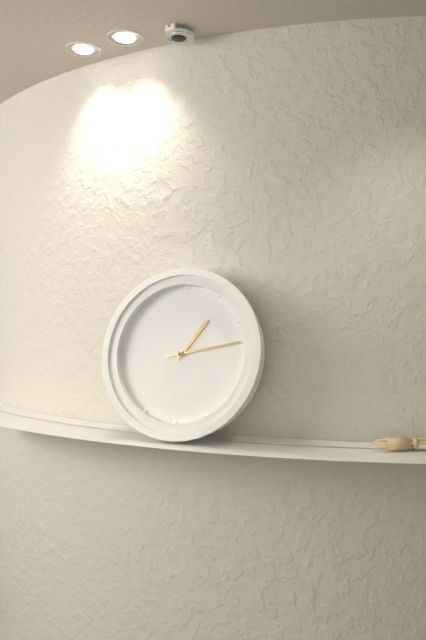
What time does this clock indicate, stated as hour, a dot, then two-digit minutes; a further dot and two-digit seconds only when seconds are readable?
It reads 1.13
